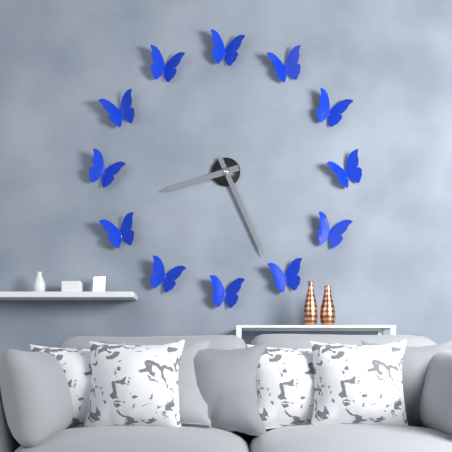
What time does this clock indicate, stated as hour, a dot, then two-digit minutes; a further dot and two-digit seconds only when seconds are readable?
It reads 8.26
